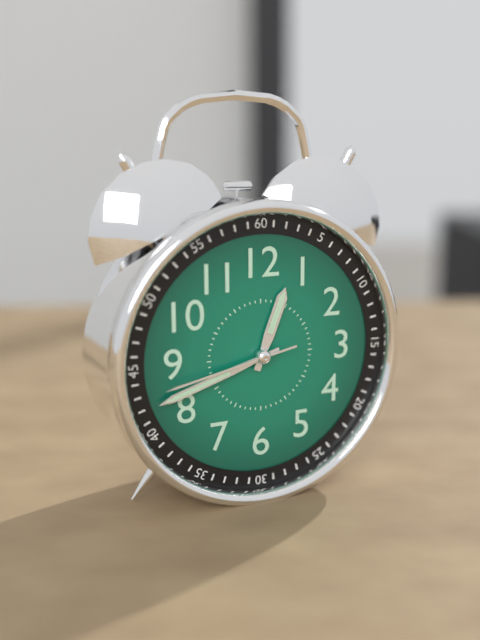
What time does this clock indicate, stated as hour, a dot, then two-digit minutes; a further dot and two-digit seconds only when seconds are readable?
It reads 12.42.43
